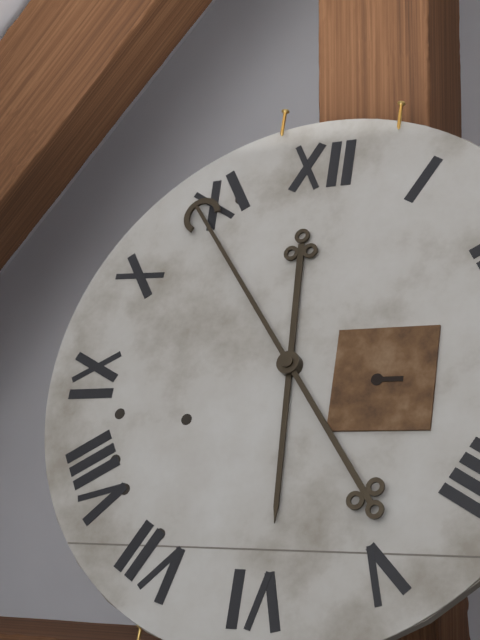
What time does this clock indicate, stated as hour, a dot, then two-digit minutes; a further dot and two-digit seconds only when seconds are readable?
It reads 5.54
